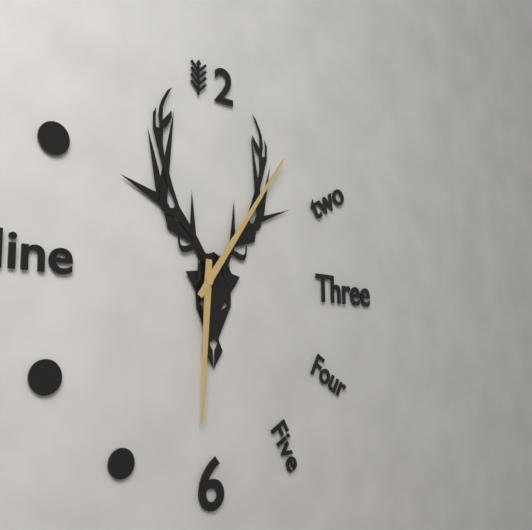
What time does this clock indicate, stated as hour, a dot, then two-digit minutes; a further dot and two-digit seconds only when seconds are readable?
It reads 6.06
